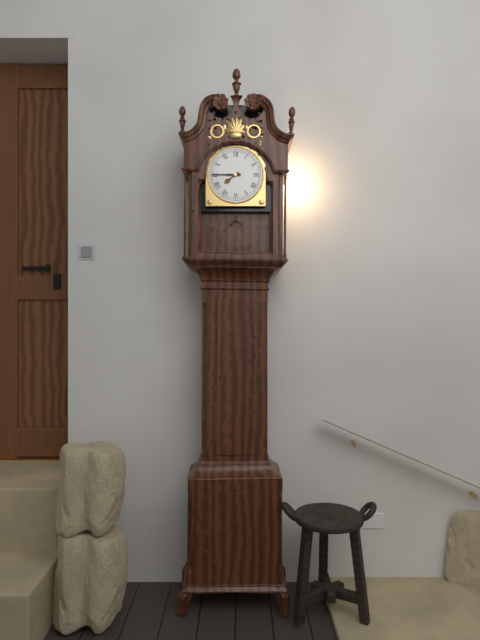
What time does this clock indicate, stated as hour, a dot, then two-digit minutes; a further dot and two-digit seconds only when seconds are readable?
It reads 7.45
